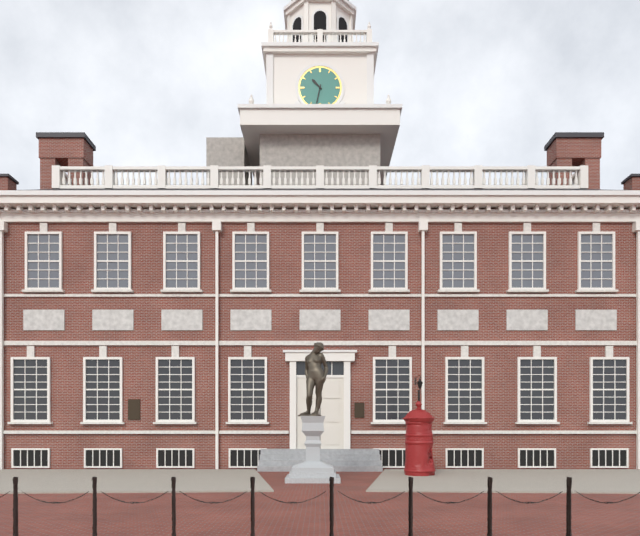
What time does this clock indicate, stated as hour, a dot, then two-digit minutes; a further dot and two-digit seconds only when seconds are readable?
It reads 10.32
